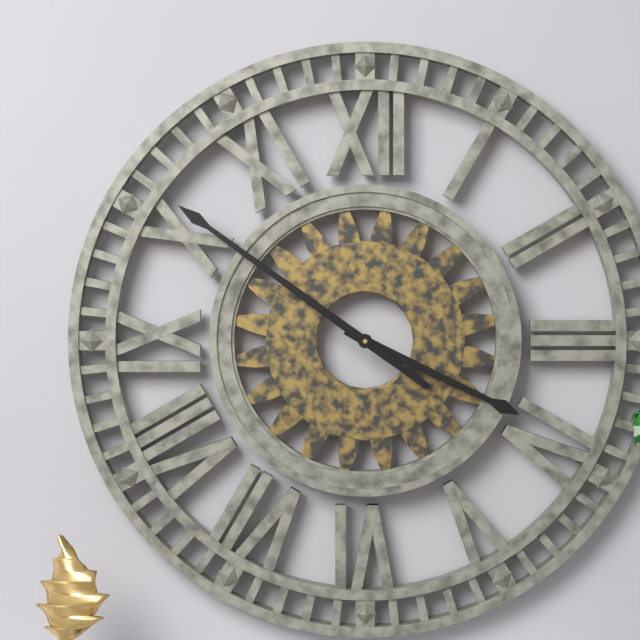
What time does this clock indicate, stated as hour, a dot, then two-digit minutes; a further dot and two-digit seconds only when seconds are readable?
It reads 3.51
